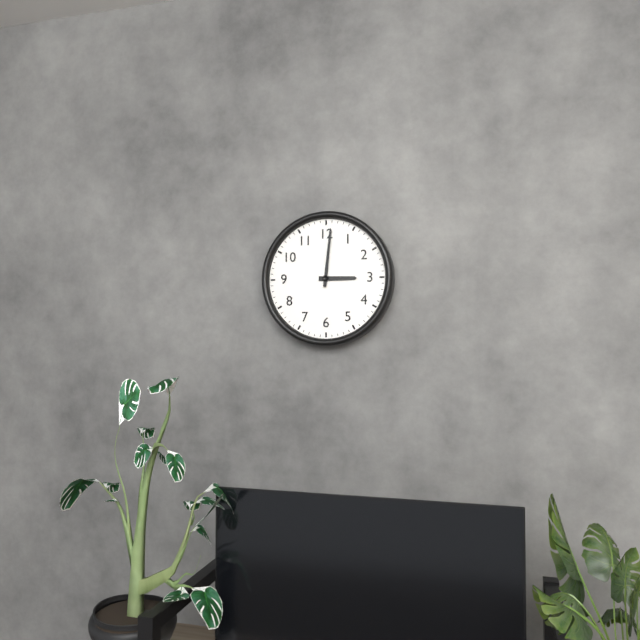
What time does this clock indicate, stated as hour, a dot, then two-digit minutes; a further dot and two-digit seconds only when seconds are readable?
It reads 3.01
